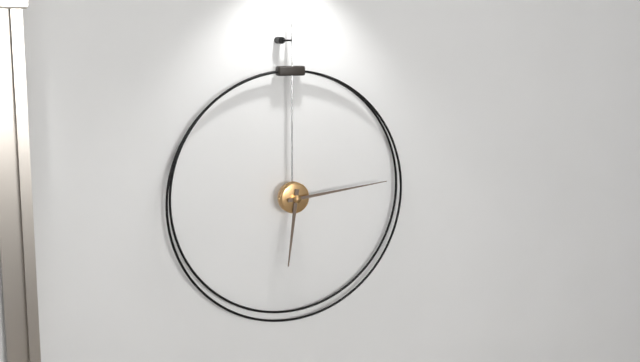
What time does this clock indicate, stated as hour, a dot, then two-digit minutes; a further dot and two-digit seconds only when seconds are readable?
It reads 6.14
